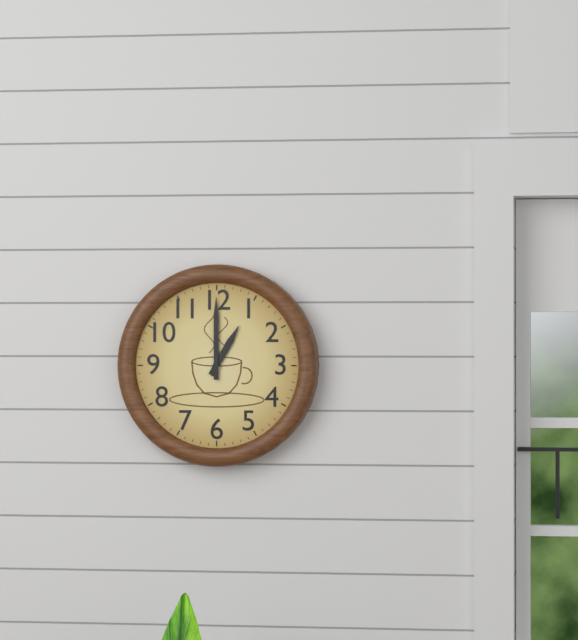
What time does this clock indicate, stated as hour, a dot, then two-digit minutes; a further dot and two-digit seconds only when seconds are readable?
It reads 1.00
